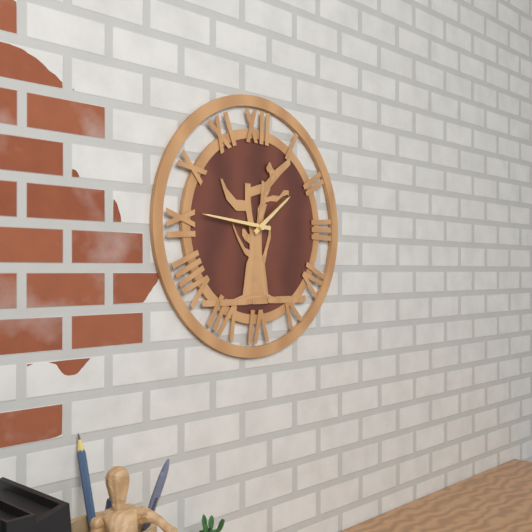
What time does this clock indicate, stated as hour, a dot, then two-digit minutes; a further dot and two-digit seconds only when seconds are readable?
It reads 1.46
